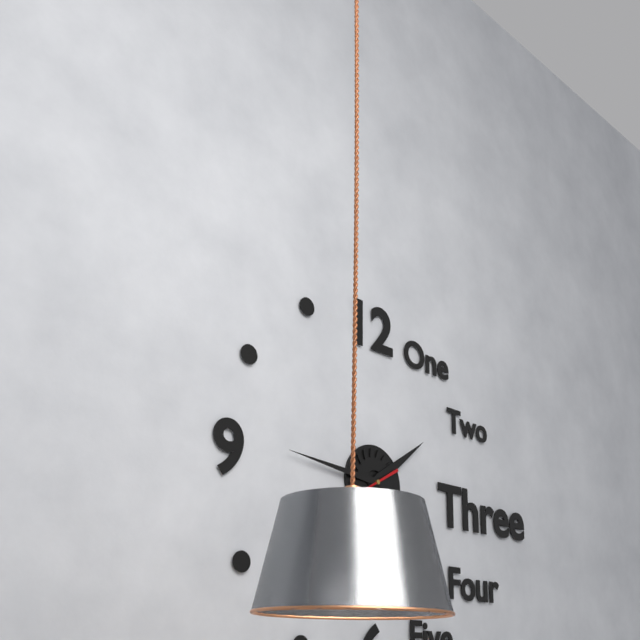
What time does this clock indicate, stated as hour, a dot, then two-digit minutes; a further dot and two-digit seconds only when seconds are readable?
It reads 1.46
